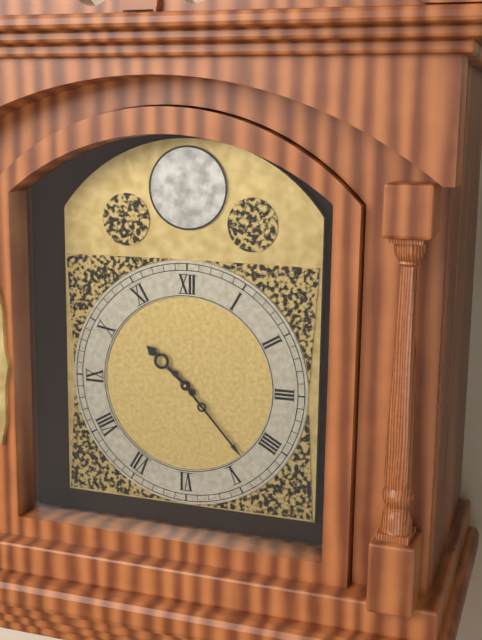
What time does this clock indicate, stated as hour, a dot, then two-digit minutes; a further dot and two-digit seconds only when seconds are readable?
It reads 10.23
